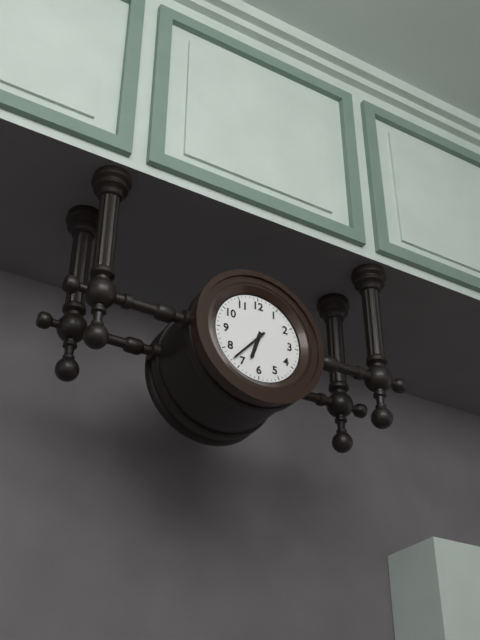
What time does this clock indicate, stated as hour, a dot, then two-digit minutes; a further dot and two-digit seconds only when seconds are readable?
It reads 6.37
